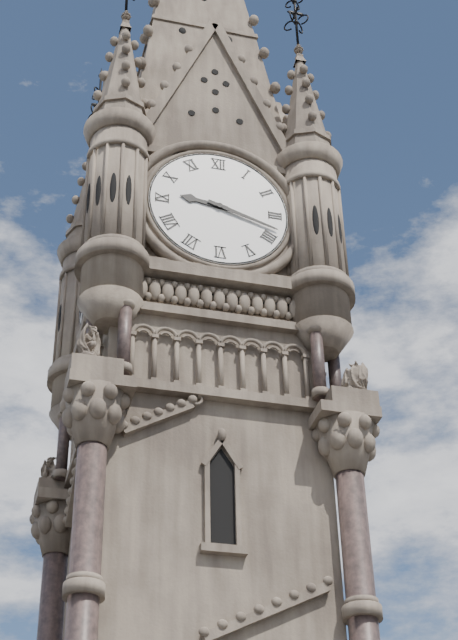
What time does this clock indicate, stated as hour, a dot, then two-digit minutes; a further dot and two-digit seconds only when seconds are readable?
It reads 9.18
